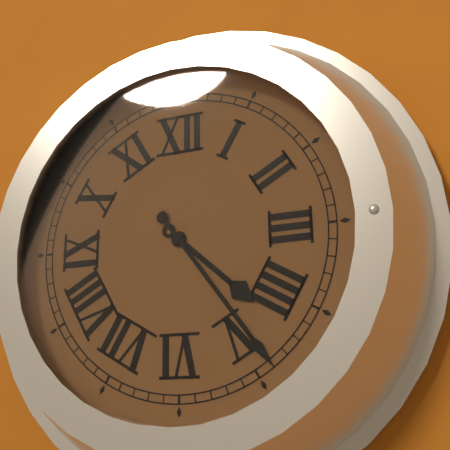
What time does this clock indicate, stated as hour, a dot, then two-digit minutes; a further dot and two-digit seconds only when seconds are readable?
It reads 4.24
